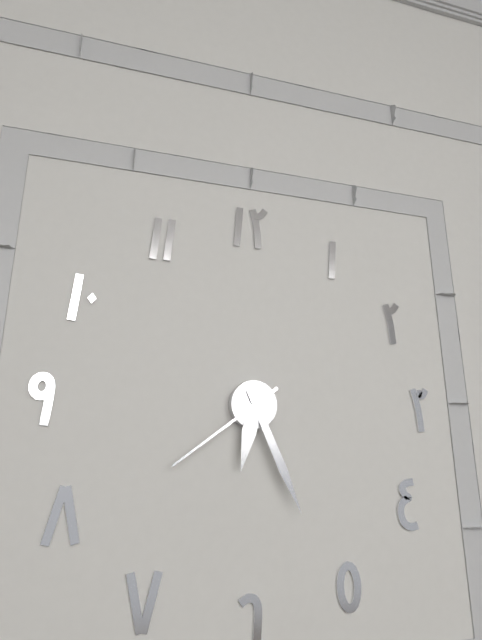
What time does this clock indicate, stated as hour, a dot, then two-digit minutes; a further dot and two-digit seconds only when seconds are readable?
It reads 6.26.39
